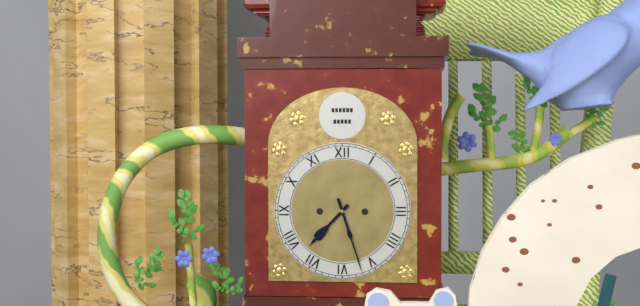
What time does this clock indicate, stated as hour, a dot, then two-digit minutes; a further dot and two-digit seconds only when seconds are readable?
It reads 7.27
